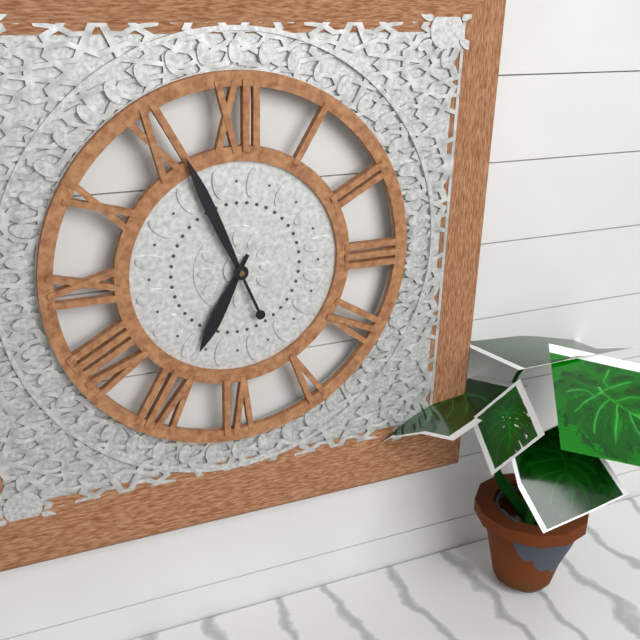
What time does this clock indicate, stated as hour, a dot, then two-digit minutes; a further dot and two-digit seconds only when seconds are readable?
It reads 6.56
